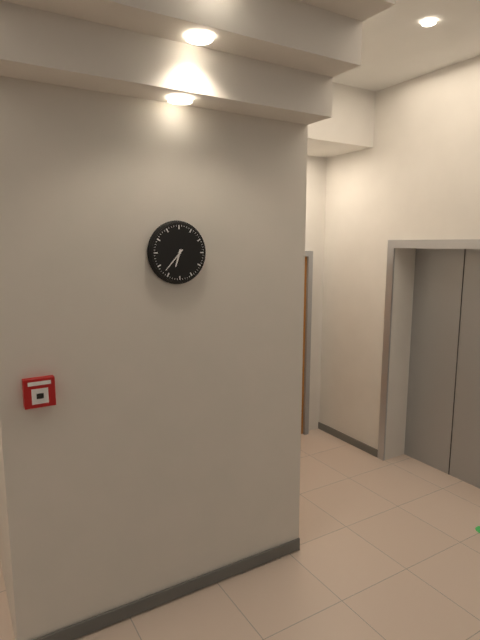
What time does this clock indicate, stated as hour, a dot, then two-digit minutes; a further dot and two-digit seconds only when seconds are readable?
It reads 6.37
